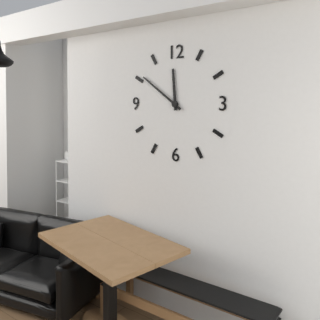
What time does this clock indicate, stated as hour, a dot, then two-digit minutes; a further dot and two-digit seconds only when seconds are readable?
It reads 11.51
